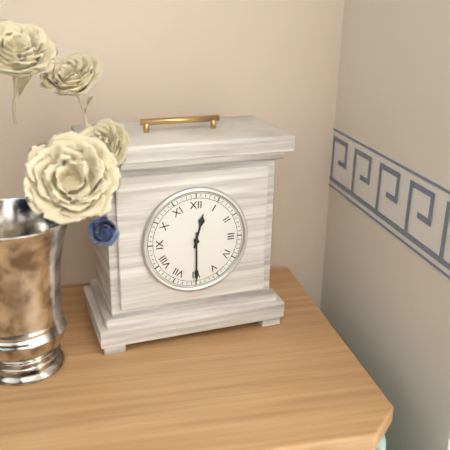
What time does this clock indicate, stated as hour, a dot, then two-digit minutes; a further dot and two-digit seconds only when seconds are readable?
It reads 12.30
